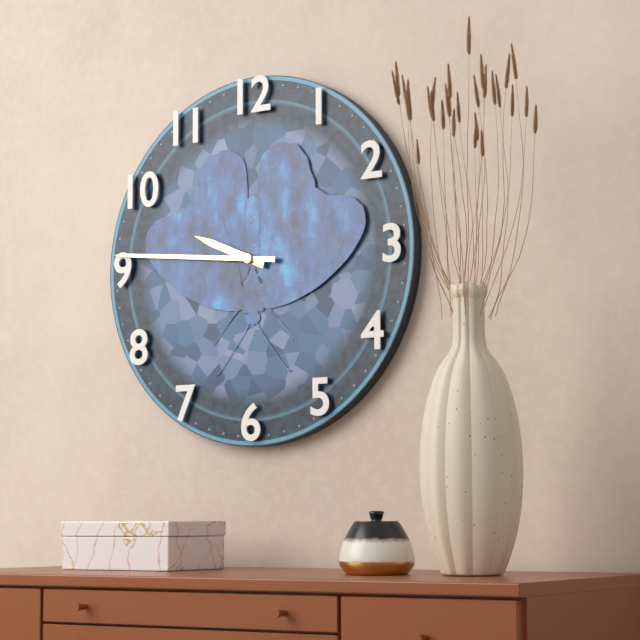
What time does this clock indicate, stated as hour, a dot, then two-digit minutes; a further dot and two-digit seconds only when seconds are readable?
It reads 9.46
